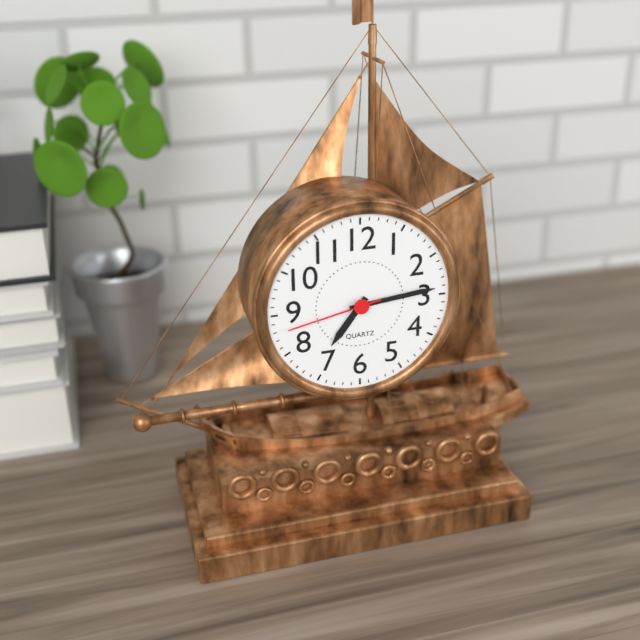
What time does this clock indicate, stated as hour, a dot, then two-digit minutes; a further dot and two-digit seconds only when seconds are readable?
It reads 7.14.43
